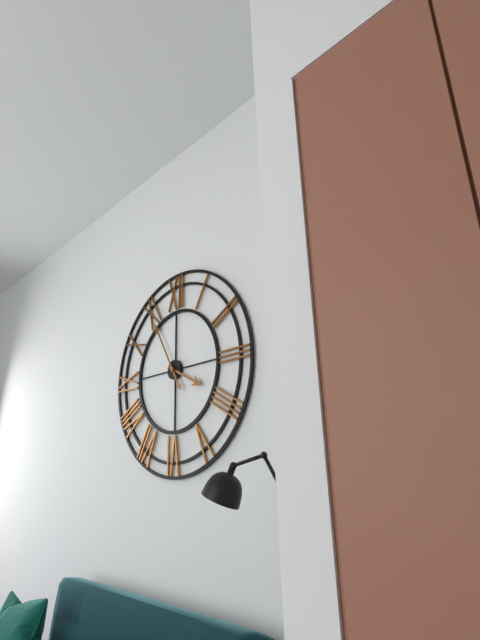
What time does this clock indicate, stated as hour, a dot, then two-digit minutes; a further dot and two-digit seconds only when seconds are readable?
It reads 3.55
